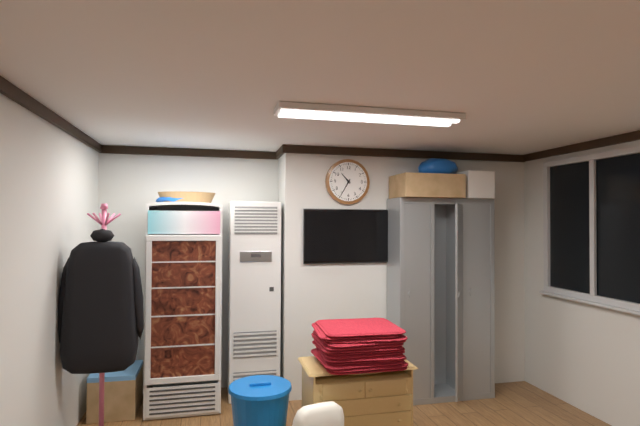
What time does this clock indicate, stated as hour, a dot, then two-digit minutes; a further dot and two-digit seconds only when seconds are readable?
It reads 10.35
